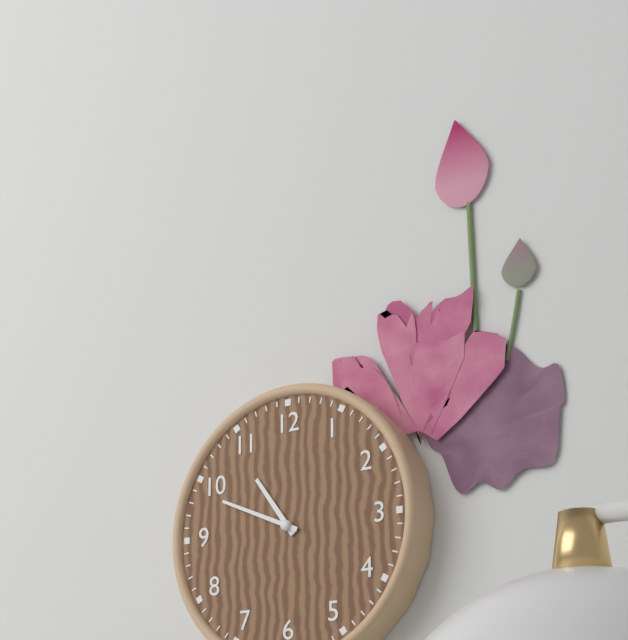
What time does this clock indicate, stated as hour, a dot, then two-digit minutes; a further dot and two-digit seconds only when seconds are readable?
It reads 10.49
